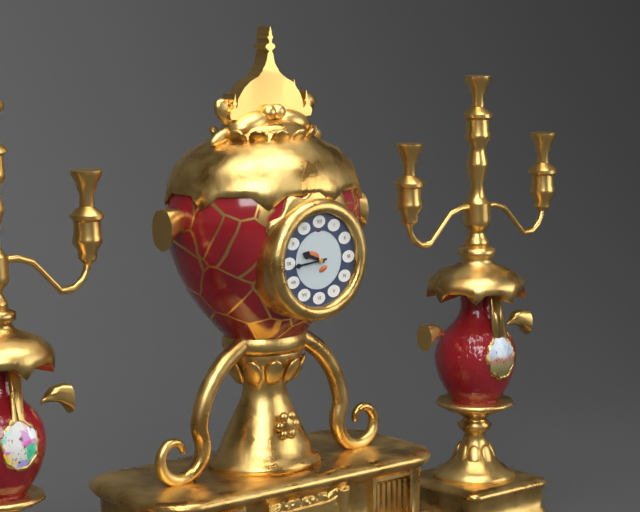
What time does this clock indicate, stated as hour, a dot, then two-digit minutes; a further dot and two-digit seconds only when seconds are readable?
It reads 9.44
